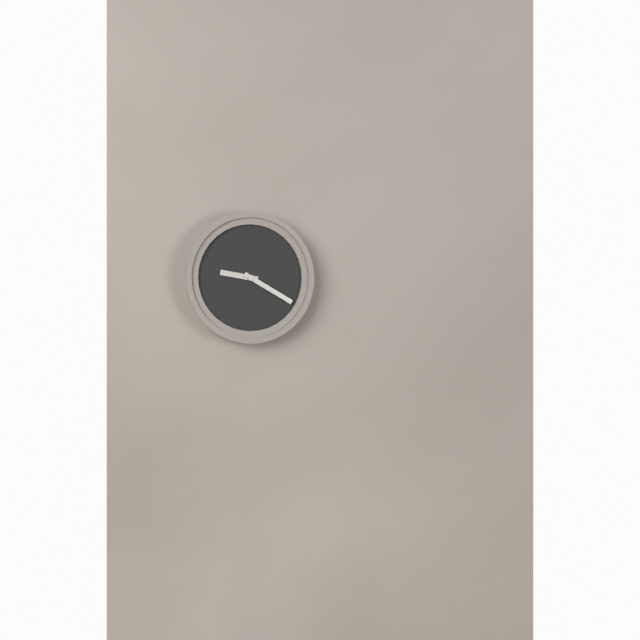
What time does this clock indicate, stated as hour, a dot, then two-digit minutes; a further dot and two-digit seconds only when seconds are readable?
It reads 9.20
